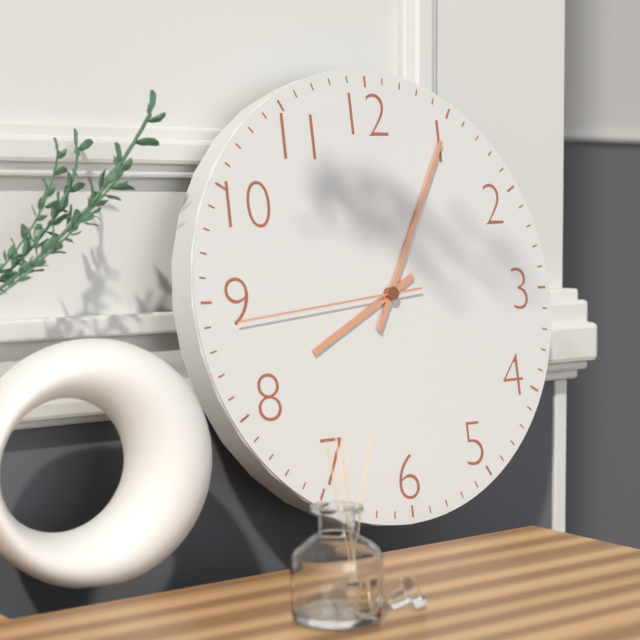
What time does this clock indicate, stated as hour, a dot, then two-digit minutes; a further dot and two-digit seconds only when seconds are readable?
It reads 8.05.44
